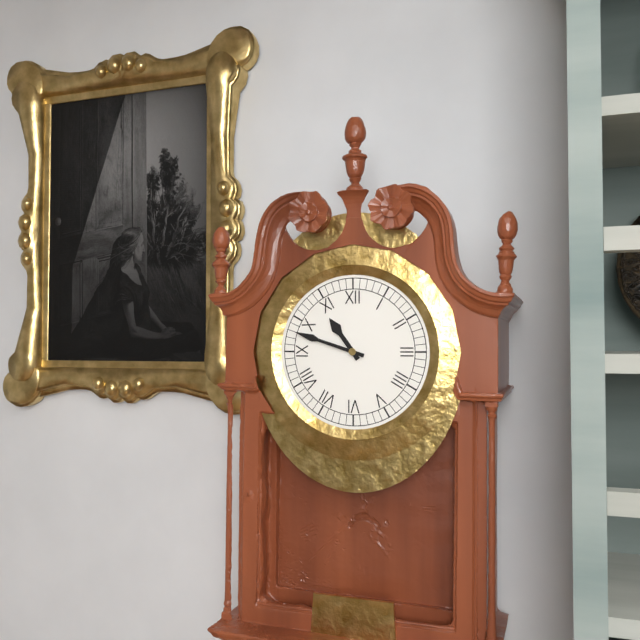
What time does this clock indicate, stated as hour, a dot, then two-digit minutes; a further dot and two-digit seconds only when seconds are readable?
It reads 10.48
